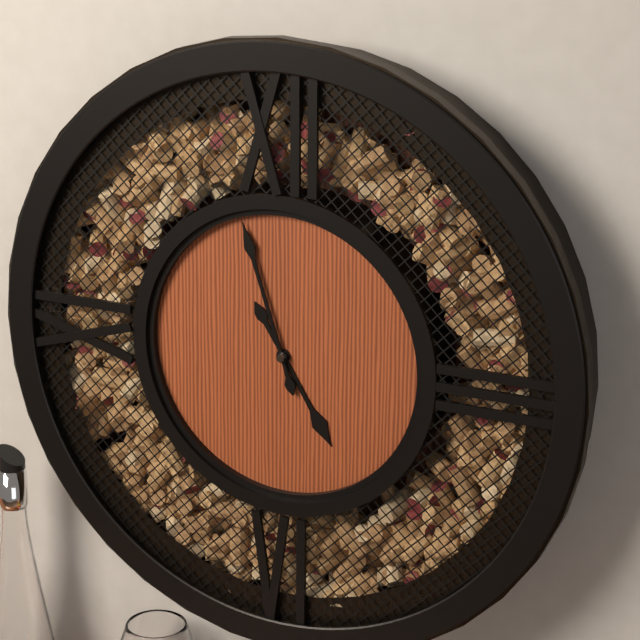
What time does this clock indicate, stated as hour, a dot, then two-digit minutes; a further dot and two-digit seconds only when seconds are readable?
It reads 4.57
